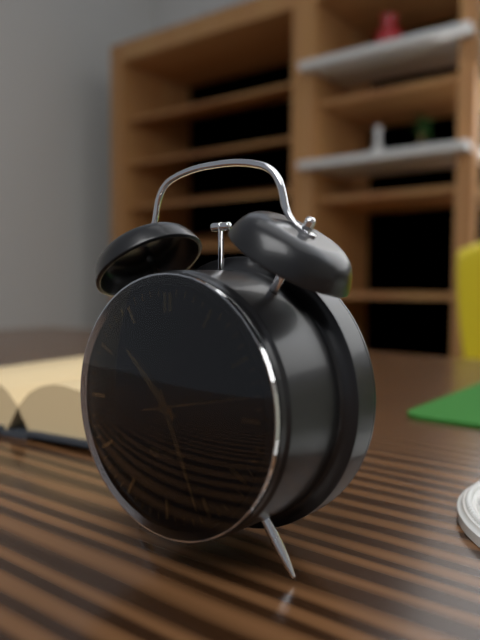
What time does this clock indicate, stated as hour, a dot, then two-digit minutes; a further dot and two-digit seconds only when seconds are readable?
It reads 10.26.13
